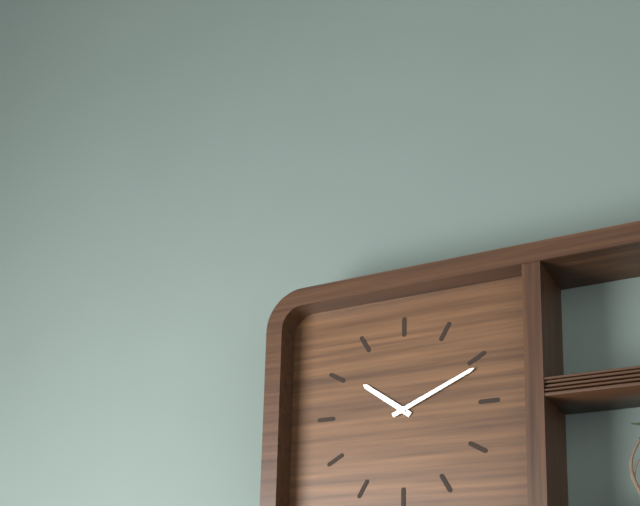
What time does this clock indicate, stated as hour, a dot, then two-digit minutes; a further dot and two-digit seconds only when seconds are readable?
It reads 10.11
